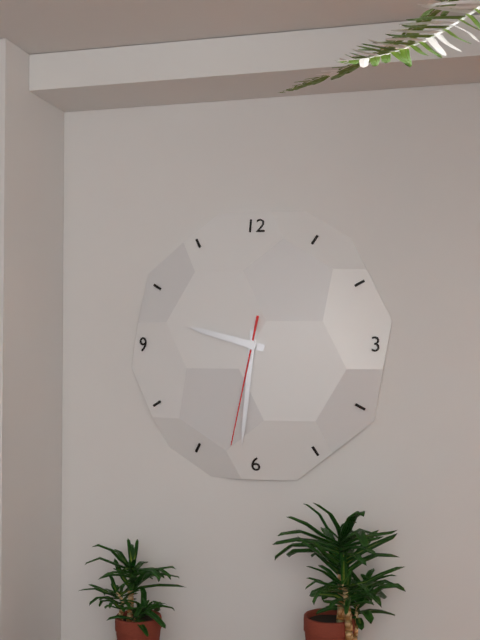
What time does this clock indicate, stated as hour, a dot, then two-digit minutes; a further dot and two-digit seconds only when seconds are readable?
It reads 9.31.32
